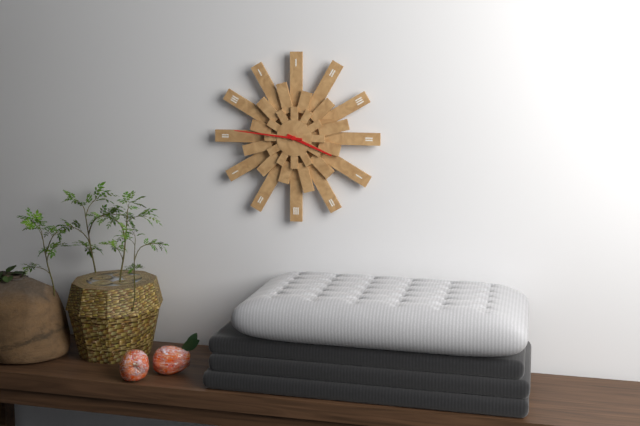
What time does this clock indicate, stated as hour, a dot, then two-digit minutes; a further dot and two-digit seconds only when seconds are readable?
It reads 3.46
